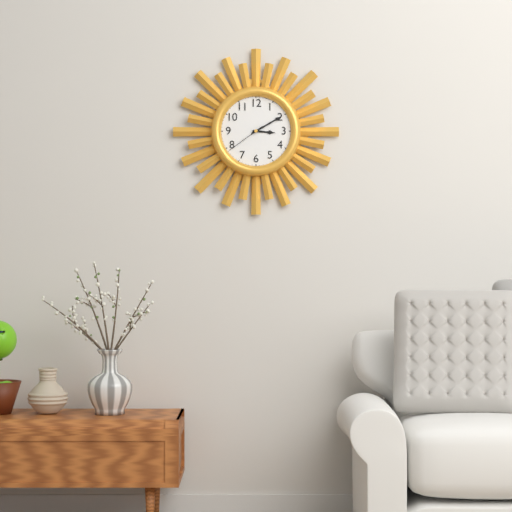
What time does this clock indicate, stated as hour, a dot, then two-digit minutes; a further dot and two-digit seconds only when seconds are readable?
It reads 3.10
